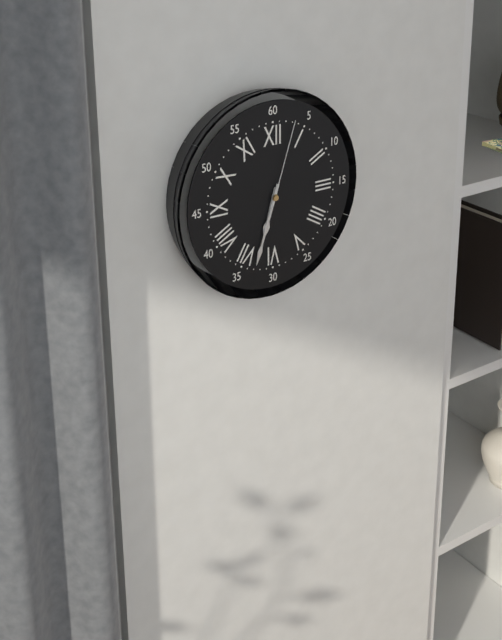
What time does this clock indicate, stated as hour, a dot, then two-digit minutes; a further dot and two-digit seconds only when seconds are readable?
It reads 6.33.03
